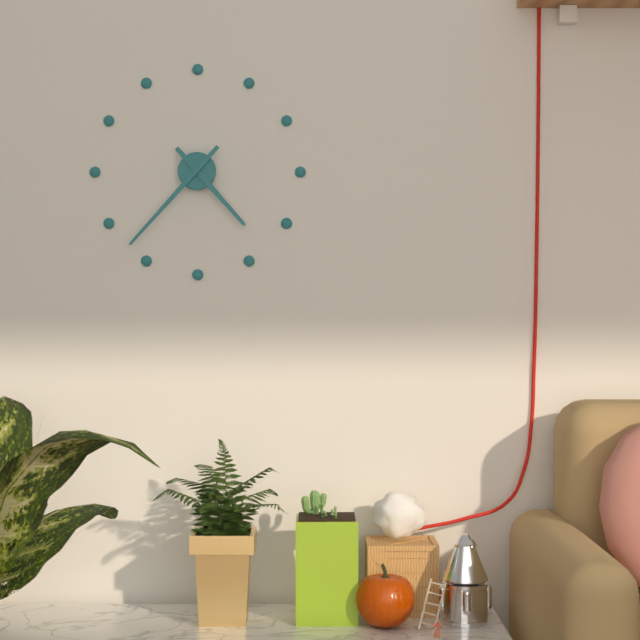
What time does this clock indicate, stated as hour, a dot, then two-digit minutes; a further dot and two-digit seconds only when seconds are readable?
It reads 4.37
